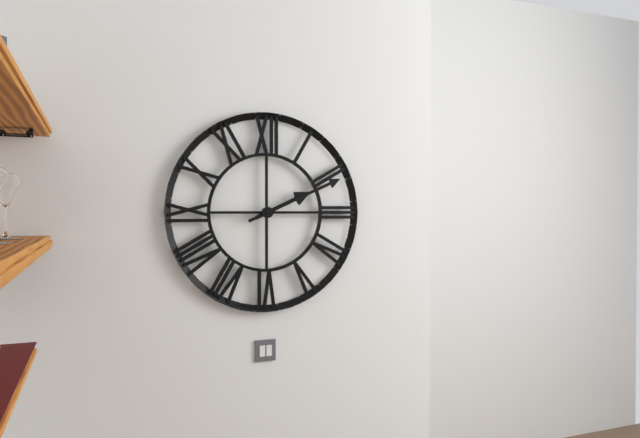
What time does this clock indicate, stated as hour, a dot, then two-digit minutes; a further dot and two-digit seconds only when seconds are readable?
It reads 2.11
